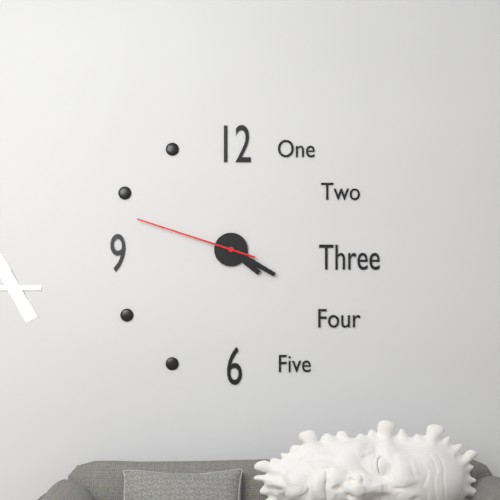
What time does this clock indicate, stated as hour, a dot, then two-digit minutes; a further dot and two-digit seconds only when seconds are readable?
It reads 4.20.48
